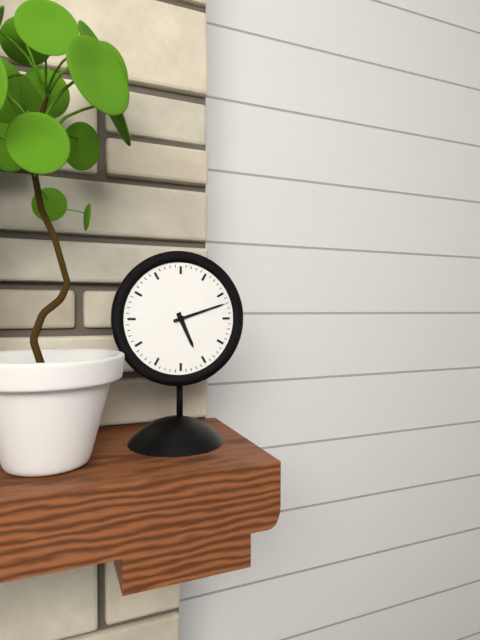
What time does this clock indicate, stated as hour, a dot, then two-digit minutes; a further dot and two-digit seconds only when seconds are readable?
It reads 5.12
